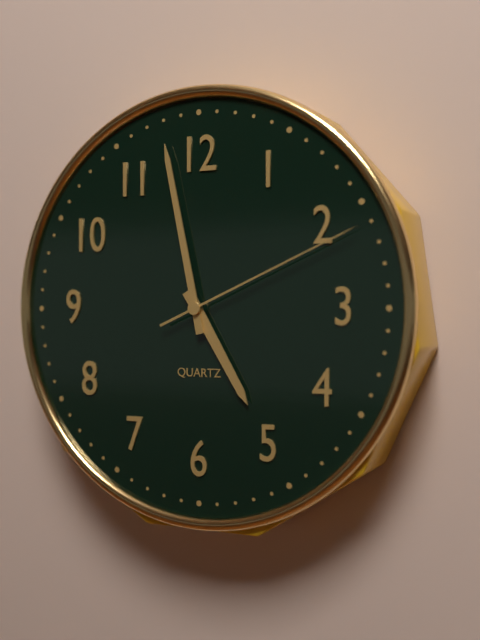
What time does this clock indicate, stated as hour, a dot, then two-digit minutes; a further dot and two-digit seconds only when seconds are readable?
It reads 4.58.11
